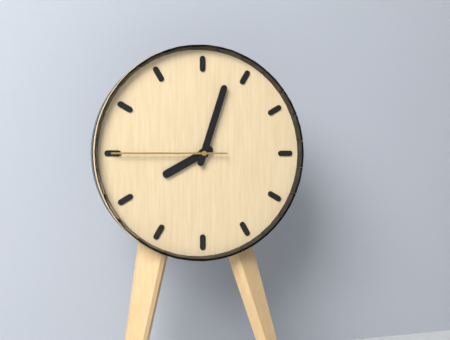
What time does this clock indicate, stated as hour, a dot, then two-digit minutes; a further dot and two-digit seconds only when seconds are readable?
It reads 8.03.45
